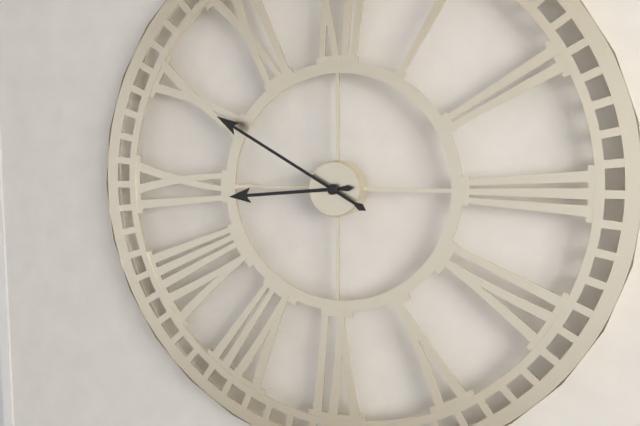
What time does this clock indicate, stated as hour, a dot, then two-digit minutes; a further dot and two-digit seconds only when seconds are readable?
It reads 8.50
